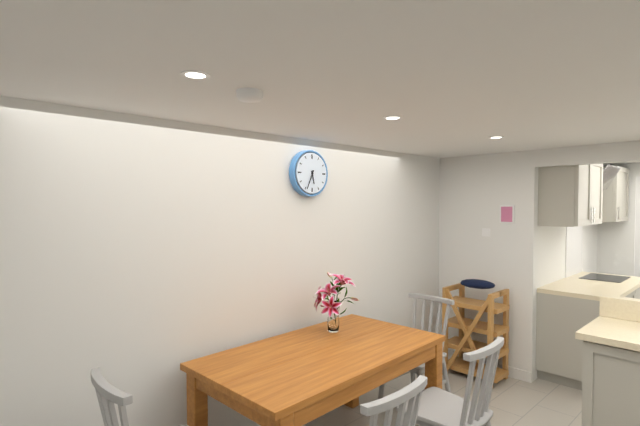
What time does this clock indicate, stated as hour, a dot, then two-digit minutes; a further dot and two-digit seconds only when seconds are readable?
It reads 5.34
